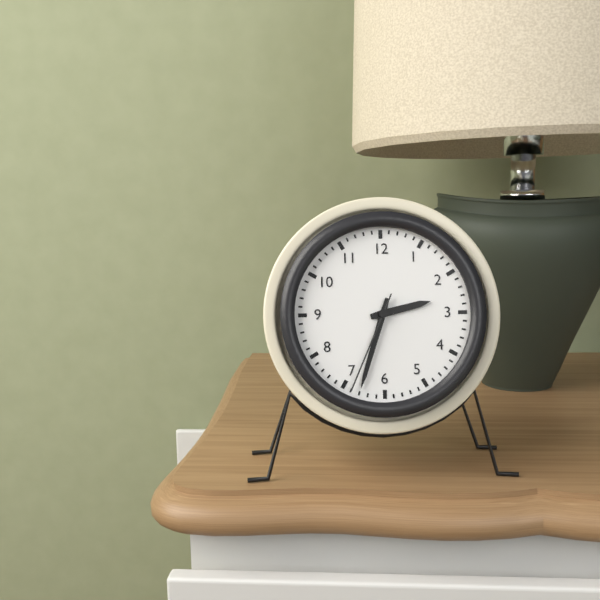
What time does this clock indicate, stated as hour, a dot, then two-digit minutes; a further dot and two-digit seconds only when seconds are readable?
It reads 2.33.34
